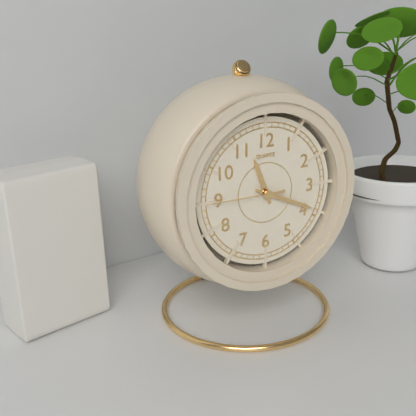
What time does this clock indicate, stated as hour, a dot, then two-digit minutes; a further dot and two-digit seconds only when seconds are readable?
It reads 11.19.45
